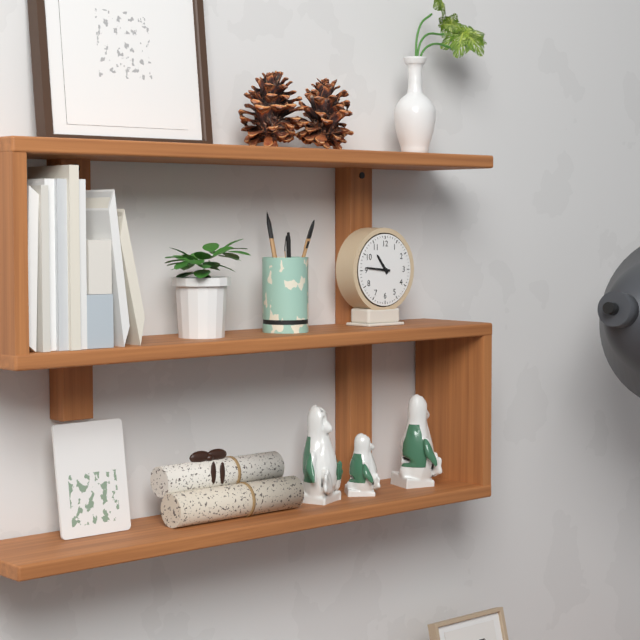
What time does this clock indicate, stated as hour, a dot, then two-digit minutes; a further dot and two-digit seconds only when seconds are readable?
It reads 10.46
